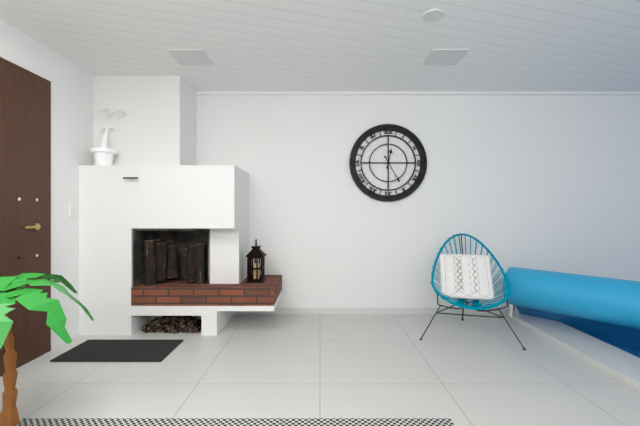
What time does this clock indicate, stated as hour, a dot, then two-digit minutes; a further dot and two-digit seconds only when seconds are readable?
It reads 12.25
